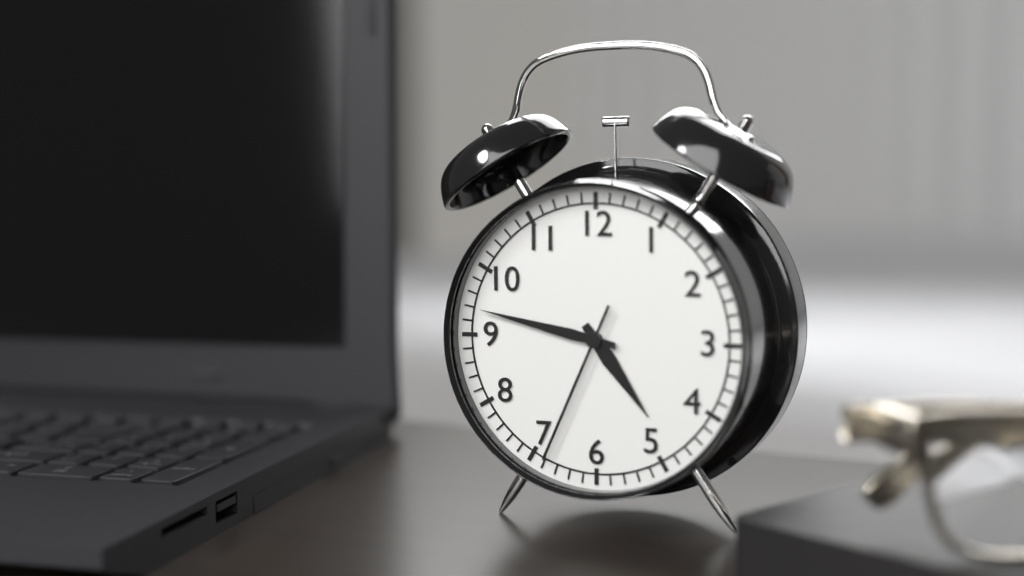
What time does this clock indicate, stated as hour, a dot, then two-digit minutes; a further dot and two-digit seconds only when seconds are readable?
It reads 4.47.34
